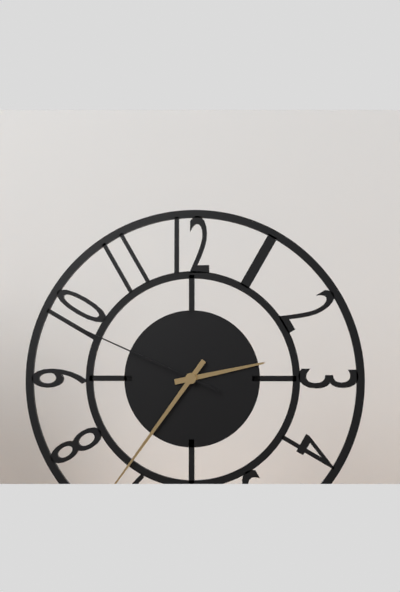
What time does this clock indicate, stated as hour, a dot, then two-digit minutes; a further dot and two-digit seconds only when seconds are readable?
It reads 2.36.49
